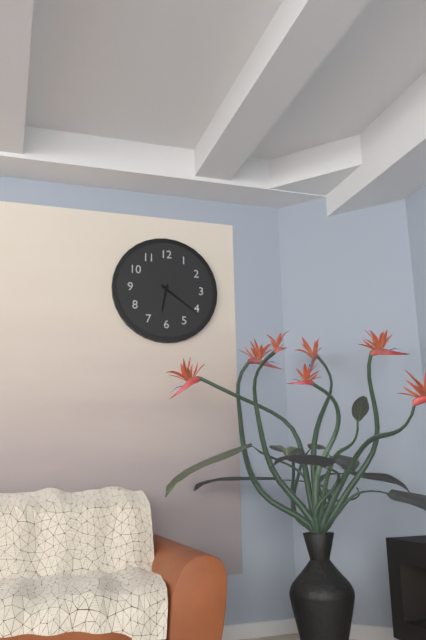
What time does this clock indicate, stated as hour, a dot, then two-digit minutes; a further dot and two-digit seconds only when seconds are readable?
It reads 6.21
